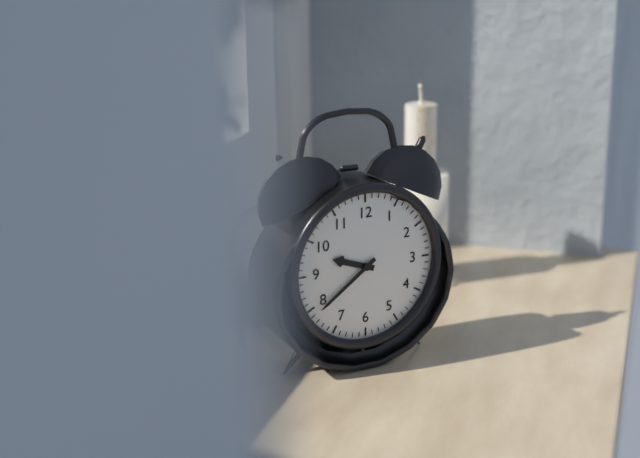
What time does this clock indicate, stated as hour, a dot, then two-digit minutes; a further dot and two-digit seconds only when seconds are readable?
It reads 9.39
